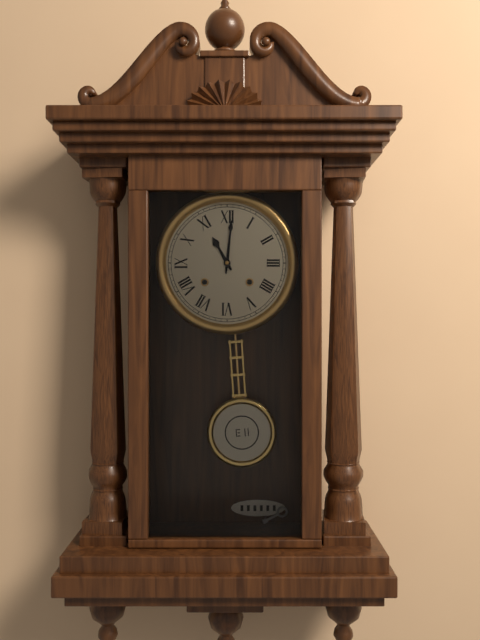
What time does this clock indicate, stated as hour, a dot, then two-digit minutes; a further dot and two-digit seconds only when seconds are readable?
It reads 11.01
